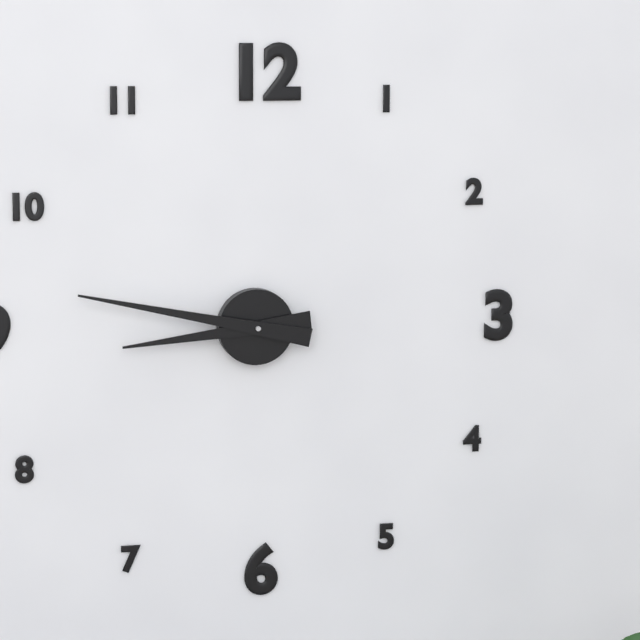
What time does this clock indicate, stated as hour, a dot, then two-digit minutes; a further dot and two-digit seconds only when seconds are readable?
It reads 8.47
